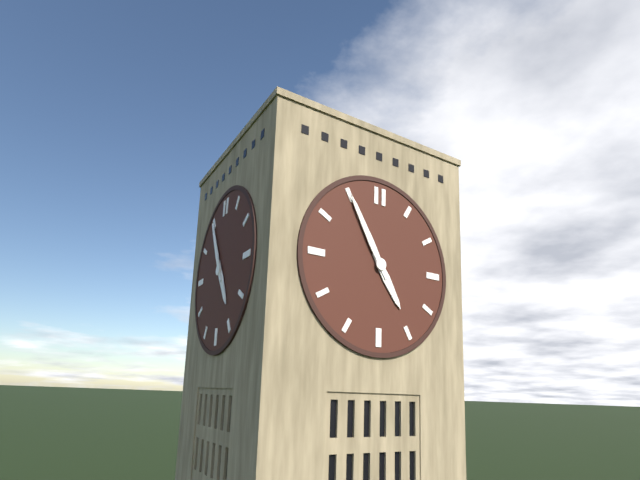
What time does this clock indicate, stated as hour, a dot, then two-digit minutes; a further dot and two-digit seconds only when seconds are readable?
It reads 4.55
